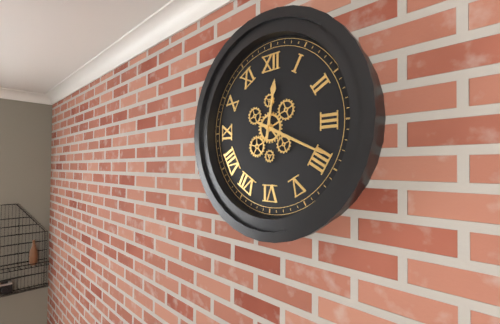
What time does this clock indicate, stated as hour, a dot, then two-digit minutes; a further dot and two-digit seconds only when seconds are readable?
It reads 12.19
